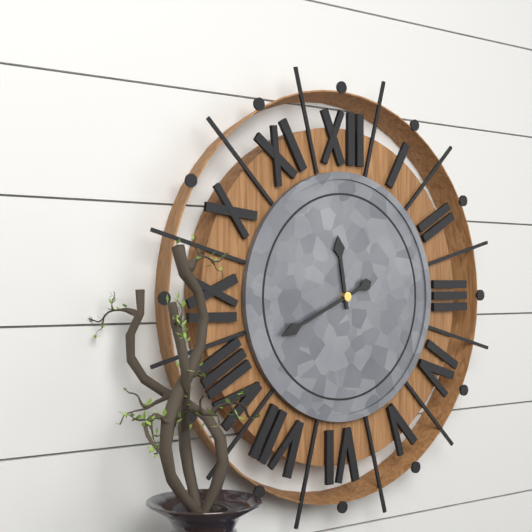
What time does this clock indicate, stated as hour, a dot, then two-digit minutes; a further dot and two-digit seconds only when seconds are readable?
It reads 11.41
